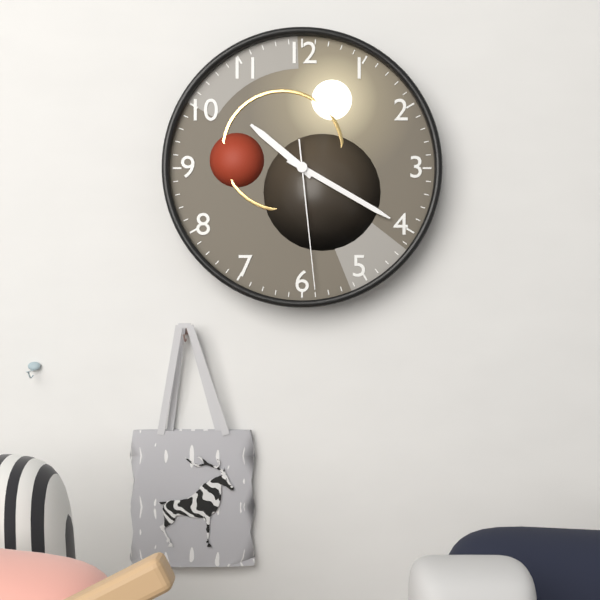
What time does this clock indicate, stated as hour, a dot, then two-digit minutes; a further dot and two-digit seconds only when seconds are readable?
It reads 10.20.29
